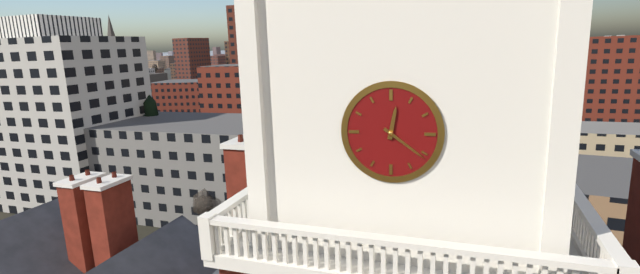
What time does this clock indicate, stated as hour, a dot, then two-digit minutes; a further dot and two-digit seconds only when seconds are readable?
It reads 12.21
